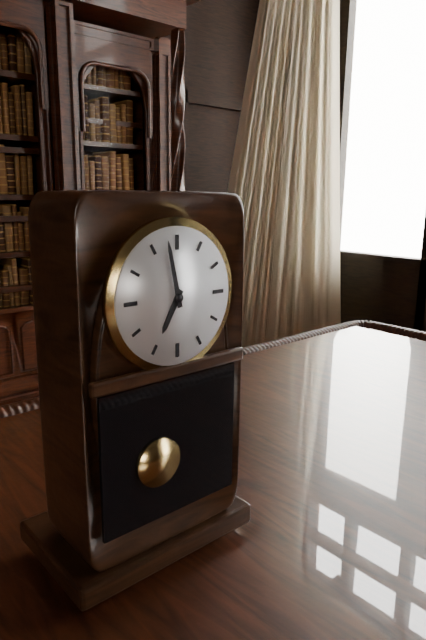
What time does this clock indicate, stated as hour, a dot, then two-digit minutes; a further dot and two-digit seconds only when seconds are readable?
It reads 6.58
